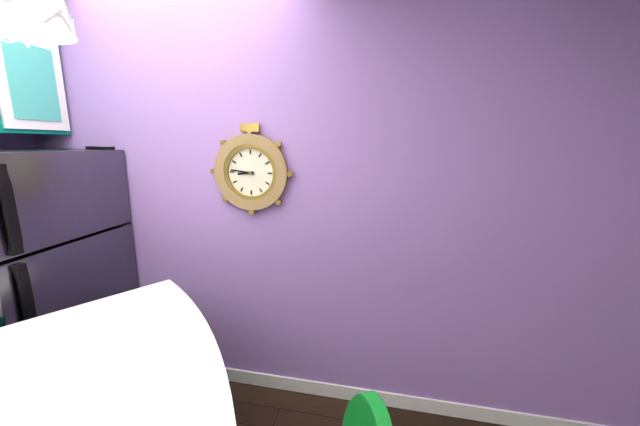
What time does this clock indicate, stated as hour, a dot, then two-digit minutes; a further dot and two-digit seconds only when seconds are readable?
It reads 8.46
